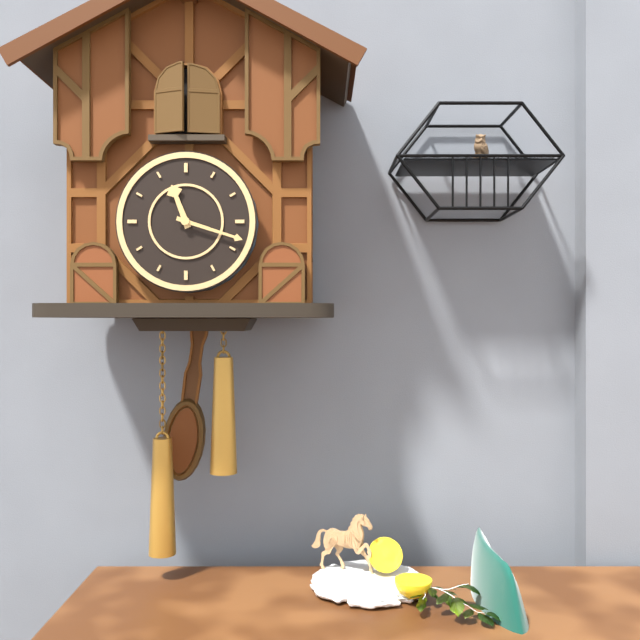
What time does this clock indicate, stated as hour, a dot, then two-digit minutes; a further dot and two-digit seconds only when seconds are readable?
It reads 11.18
